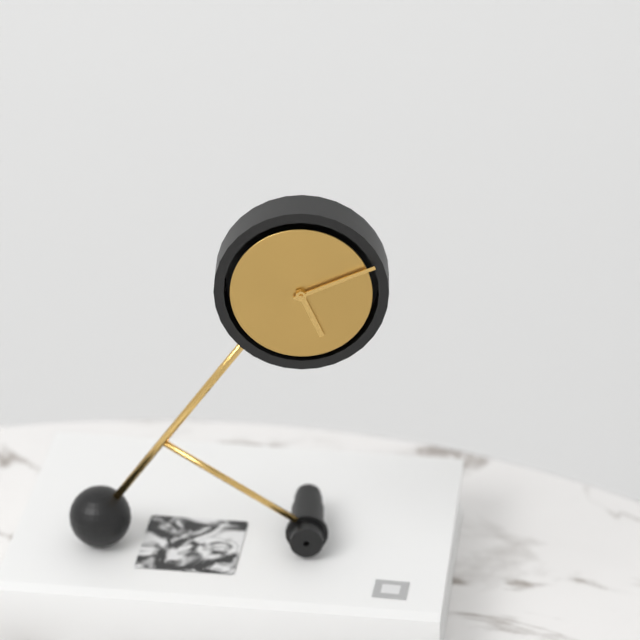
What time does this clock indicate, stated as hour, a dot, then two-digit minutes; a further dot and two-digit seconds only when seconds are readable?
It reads 5.11
